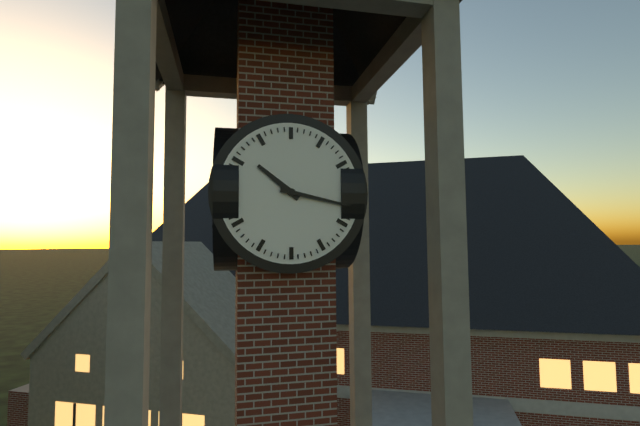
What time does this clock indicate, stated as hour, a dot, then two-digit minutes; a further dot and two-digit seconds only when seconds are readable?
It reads 10.17
